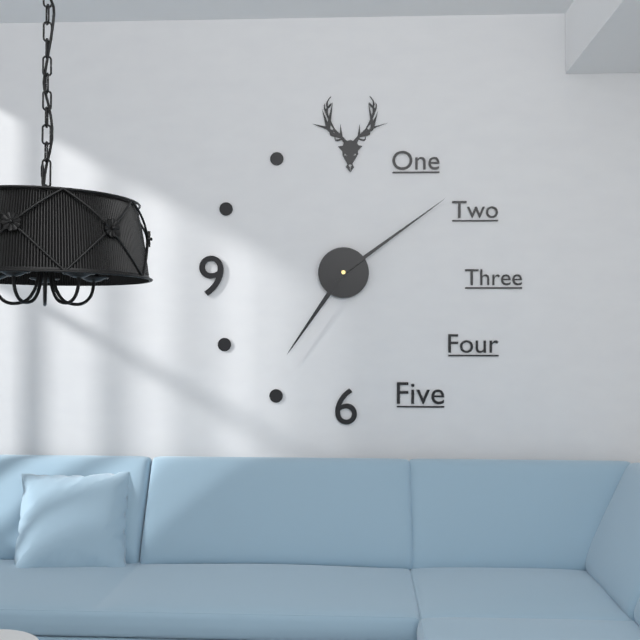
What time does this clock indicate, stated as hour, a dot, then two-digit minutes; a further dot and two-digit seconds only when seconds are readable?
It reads 7.09
